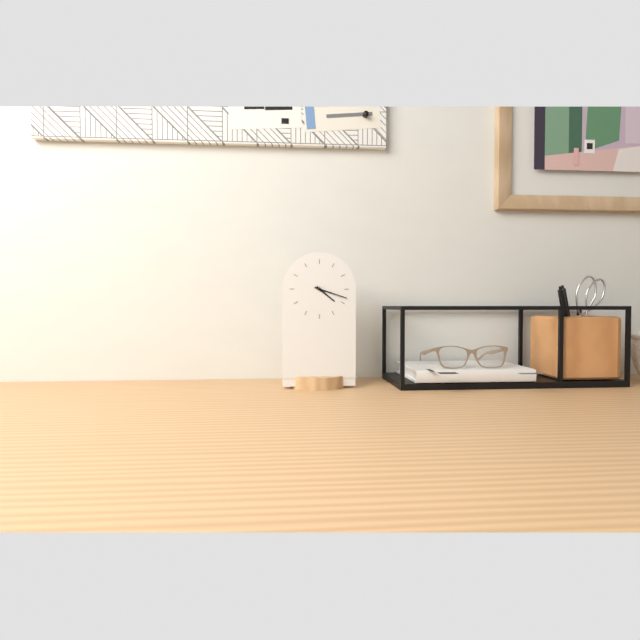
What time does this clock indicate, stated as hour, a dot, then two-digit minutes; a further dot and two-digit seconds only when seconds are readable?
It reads 4.18
